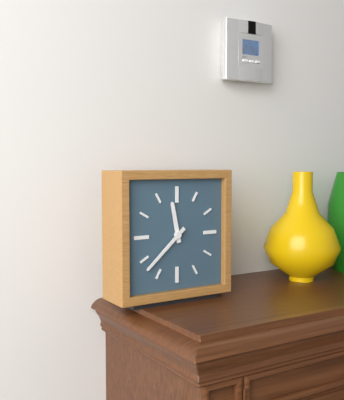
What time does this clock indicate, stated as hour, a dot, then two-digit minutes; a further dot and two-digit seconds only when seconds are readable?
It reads 11.38
